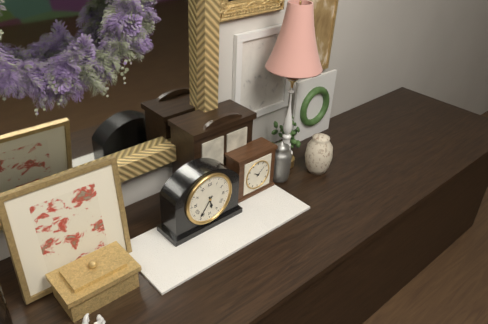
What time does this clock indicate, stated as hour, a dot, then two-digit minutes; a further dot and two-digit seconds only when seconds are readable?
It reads 5.36
